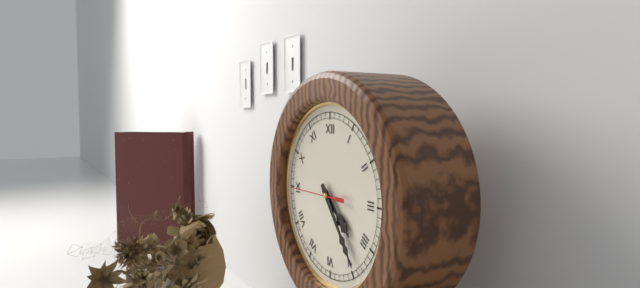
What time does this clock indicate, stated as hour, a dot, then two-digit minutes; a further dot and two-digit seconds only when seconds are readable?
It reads 4.24
